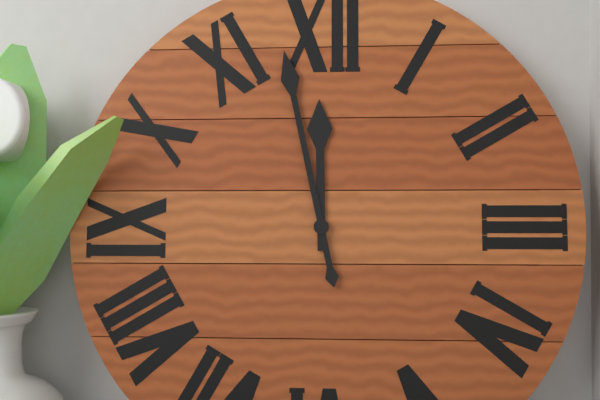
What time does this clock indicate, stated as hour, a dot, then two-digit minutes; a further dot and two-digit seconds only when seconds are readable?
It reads 11.58
